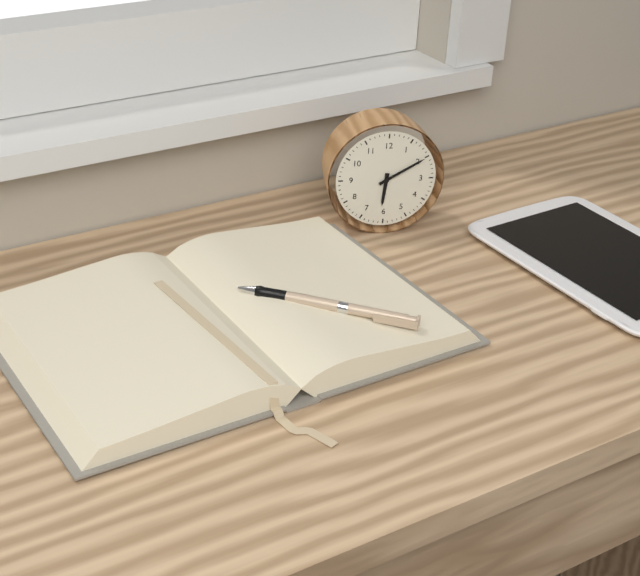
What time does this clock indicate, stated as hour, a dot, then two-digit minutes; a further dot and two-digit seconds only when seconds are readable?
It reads 6.10
